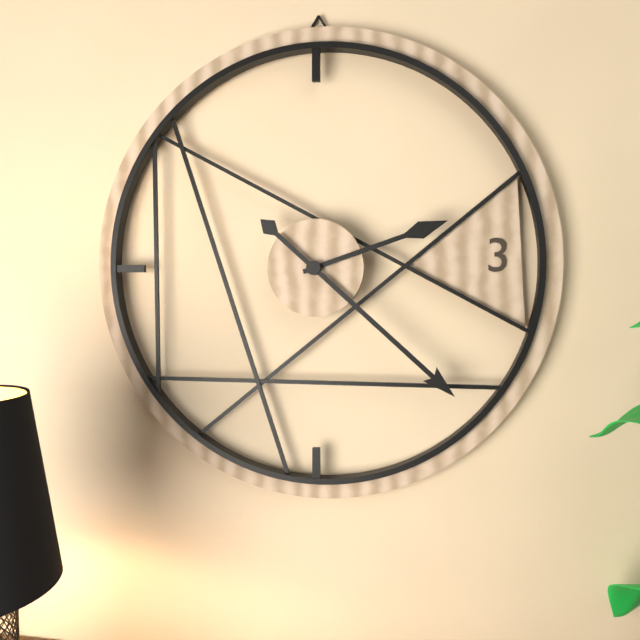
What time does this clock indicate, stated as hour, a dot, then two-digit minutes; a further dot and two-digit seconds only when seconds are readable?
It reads 2.22
